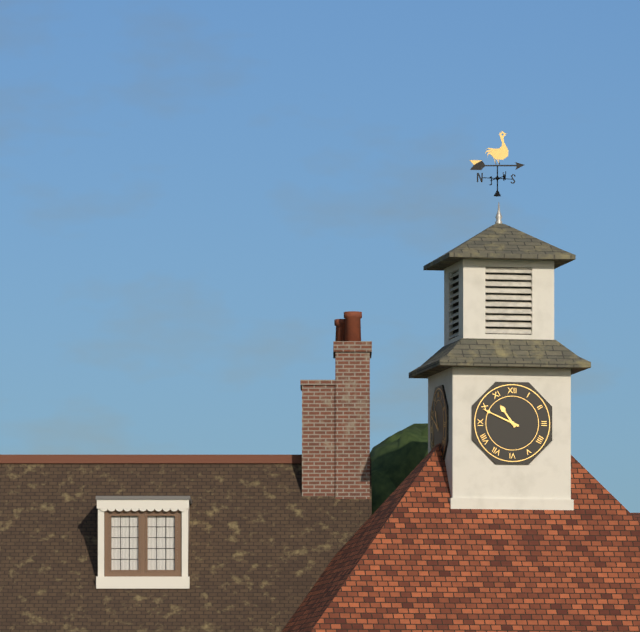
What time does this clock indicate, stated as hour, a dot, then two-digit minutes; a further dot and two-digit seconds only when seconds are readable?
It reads 10.49
